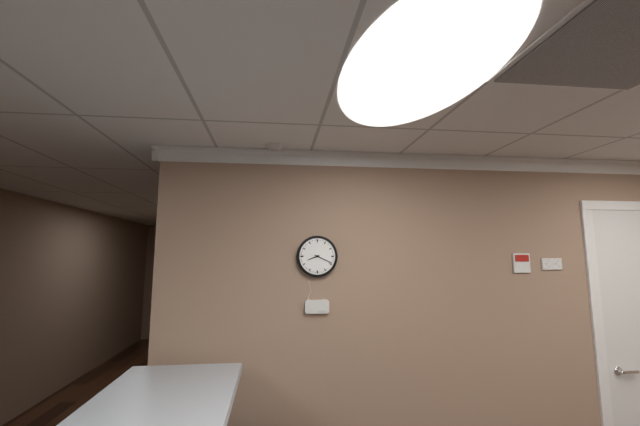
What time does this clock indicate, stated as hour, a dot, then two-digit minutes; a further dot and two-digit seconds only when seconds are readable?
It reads 8.19
